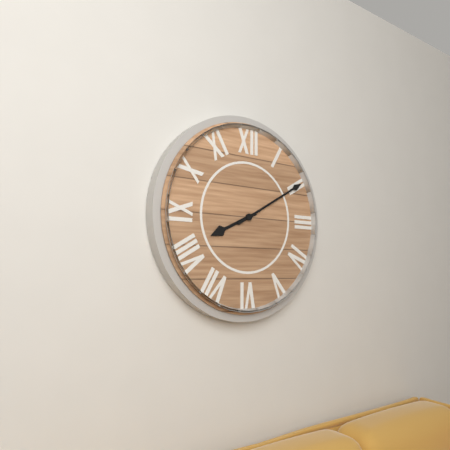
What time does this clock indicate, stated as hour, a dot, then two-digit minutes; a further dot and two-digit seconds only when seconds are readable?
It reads 8.10
